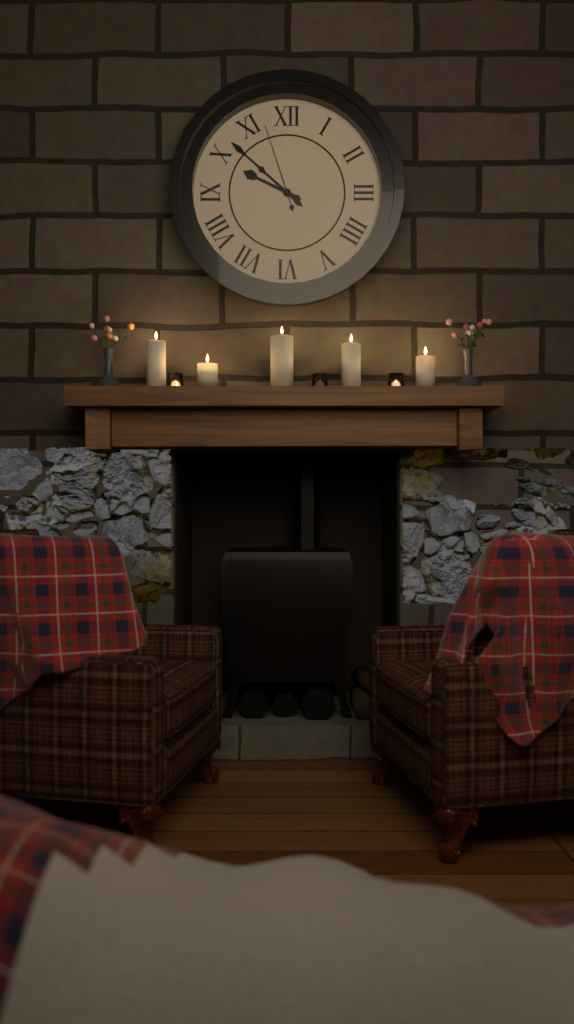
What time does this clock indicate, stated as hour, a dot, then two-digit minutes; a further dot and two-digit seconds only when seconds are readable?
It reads 9.52.57
